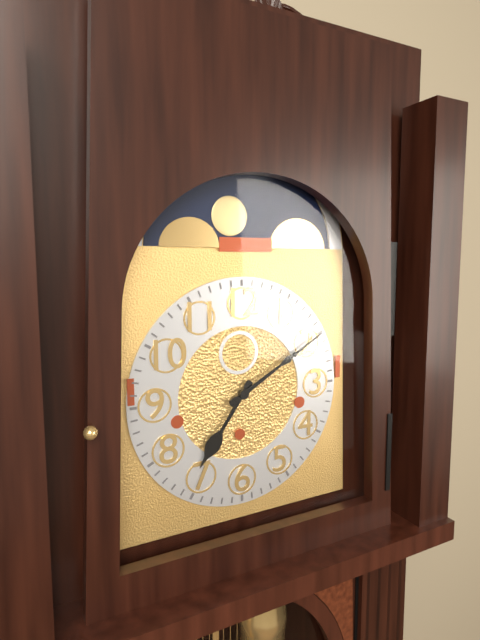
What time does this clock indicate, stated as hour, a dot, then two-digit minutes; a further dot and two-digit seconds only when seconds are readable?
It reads 7.10
